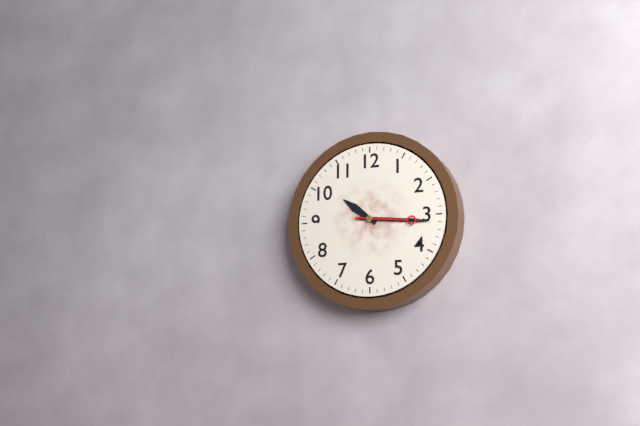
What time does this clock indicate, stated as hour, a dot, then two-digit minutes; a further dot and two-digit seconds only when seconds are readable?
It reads 10.16.16
